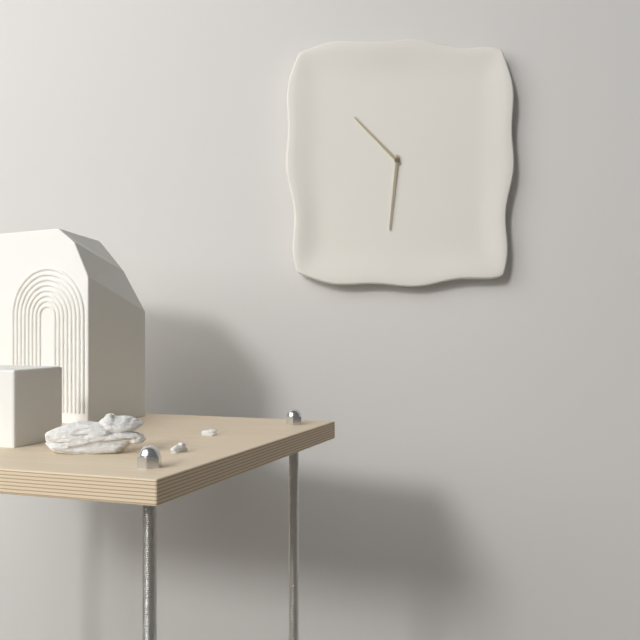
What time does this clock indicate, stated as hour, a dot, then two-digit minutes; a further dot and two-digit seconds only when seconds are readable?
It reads 10.31
